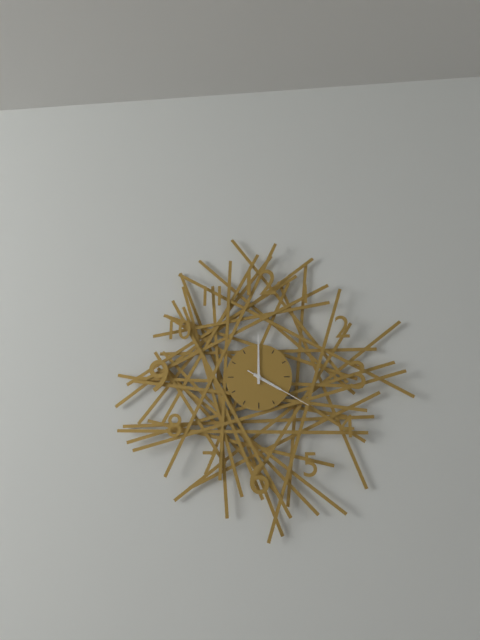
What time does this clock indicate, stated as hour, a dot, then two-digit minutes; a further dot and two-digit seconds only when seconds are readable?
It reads 4.00.20
